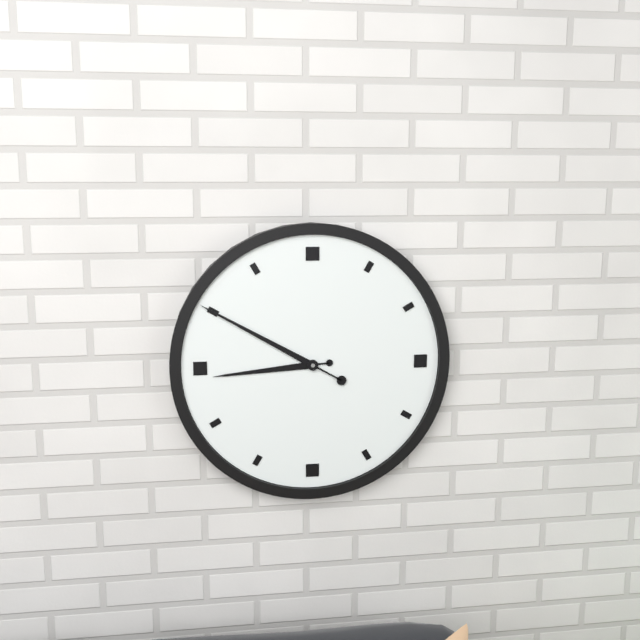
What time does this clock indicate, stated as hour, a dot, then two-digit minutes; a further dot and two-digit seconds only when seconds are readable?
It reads 8.50
